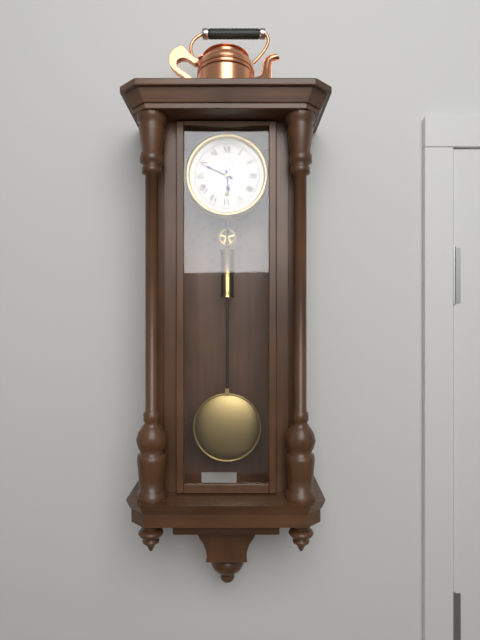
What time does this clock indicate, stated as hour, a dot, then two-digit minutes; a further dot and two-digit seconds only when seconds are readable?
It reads 5.49
